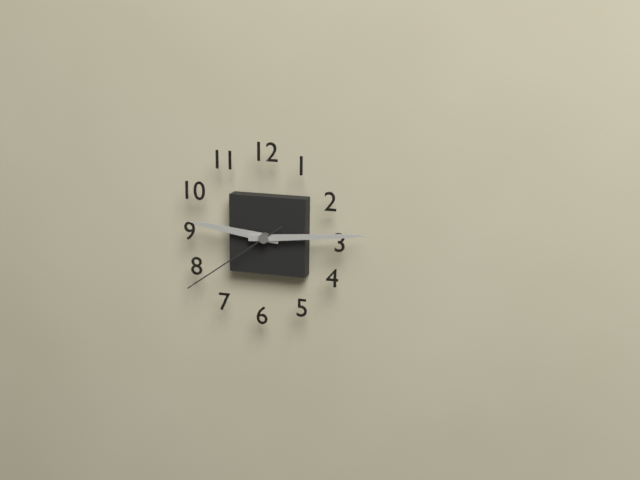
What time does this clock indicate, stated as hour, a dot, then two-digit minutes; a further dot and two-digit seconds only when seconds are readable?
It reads 9.14.39
